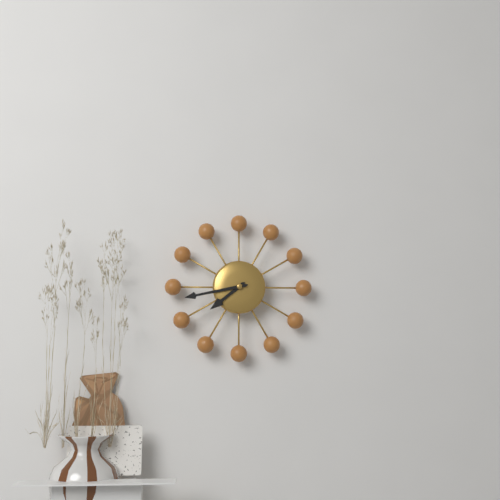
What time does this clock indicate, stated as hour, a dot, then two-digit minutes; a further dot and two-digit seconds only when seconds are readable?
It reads 7.43
